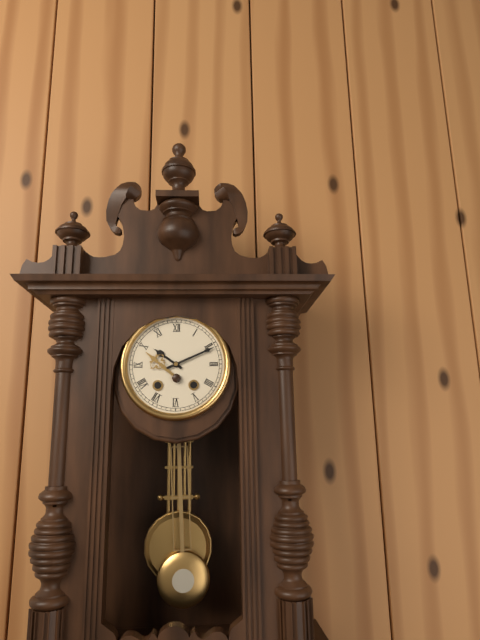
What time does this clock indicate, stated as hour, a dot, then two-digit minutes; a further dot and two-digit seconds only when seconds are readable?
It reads 10.11
